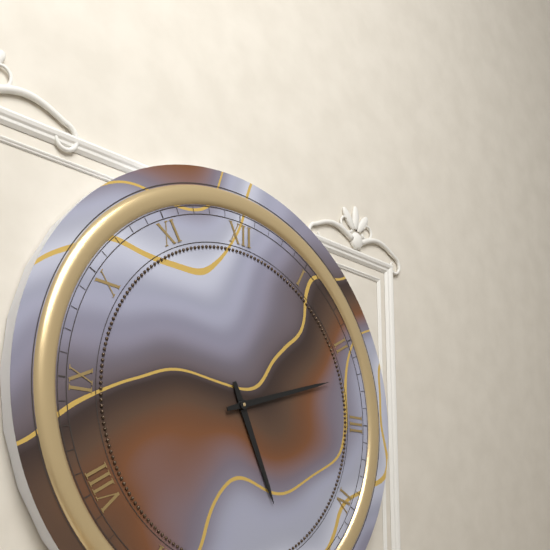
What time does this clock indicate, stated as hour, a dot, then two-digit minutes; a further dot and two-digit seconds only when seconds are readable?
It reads 5.12
